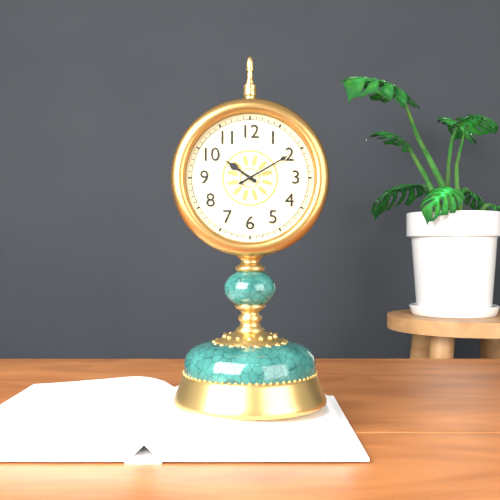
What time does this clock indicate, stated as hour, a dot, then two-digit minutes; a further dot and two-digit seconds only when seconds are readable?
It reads 10.10
